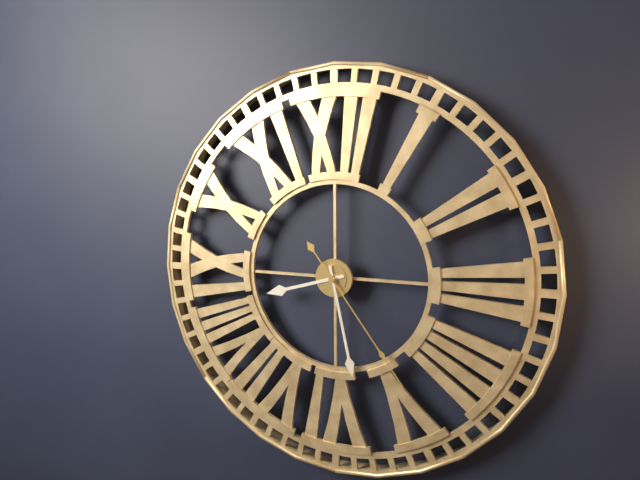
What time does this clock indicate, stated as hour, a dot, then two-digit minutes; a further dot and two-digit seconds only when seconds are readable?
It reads 8.28.24
